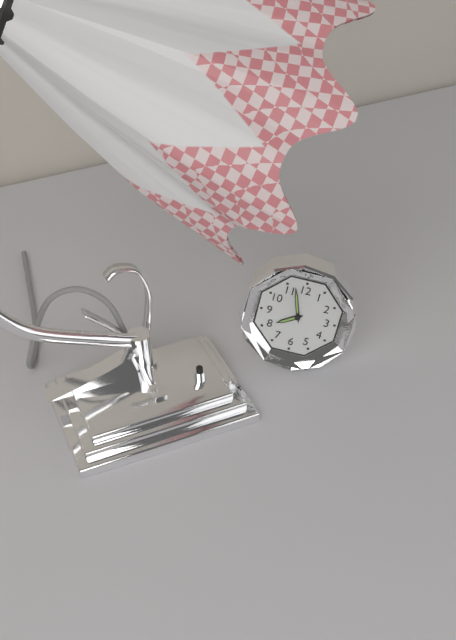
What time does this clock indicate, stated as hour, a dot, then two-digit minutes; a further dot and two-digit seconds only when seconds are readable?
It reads 7.57
